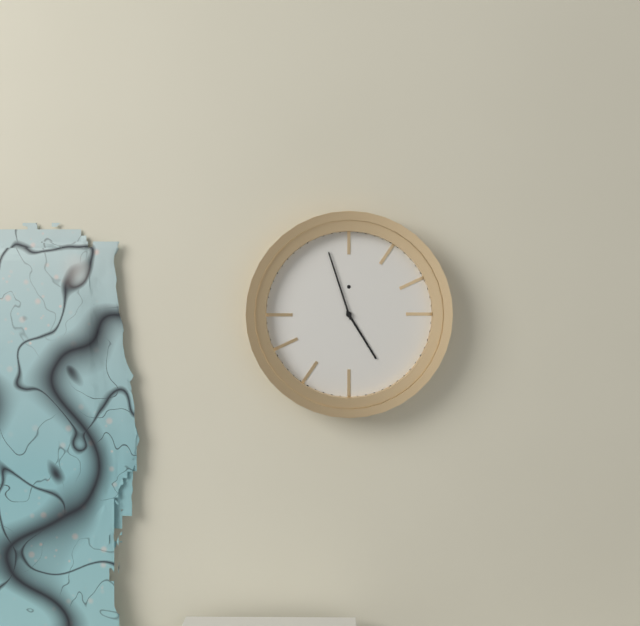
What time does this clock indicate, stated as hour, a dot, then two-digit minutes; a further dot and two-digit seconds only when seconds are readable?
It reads 4.57
